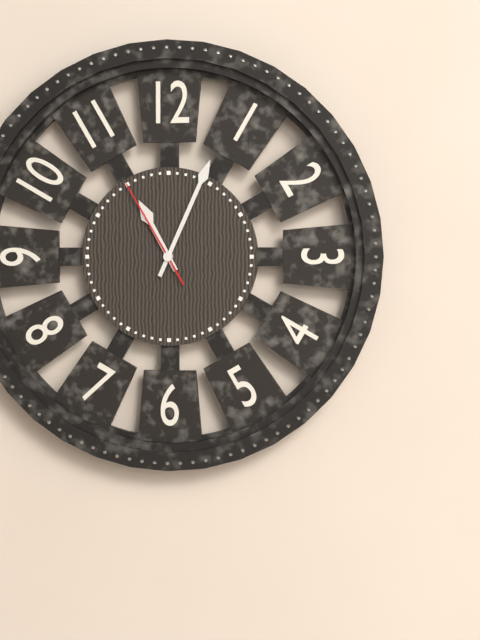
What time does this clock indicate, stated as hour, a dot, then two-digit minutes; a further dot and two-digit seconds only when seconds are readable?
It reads 11.04.55
